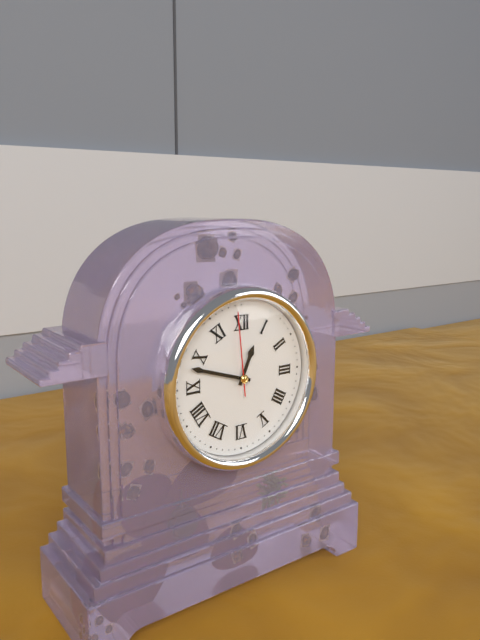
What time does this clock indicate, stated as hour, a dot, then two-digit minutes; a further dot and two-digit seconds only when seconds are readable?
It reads 12.48.59
